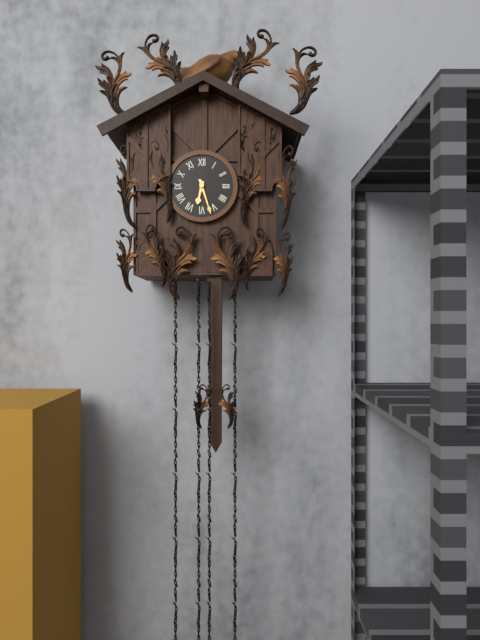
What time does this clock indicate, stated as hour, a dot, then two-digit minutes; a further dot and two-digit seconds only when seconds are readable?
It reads 6.27
